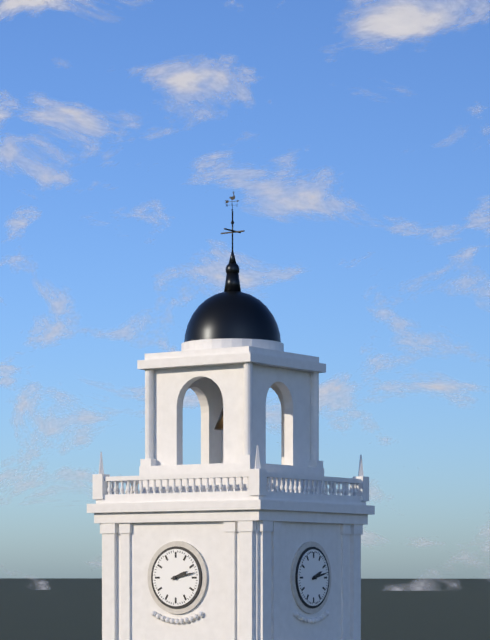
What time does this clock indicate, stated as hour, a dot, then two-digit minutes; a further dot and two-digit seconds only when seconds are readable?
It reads 2.13
